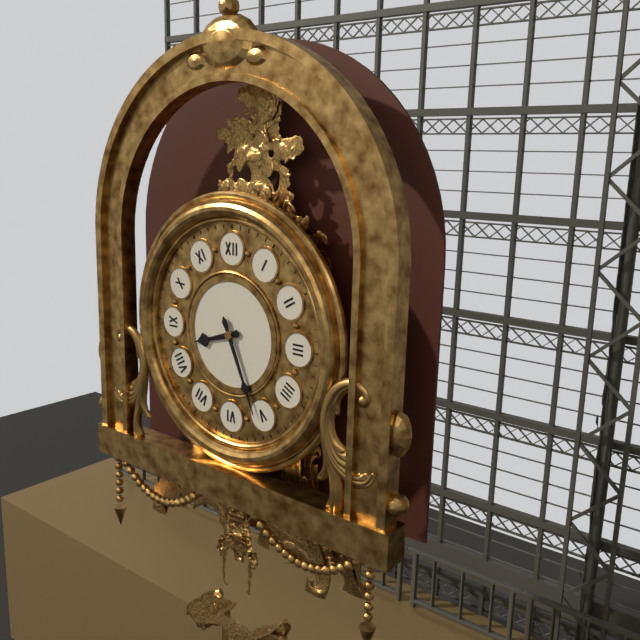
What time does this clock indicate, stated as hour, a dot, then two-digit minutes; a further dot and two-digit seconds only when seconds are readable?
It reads 8.26
